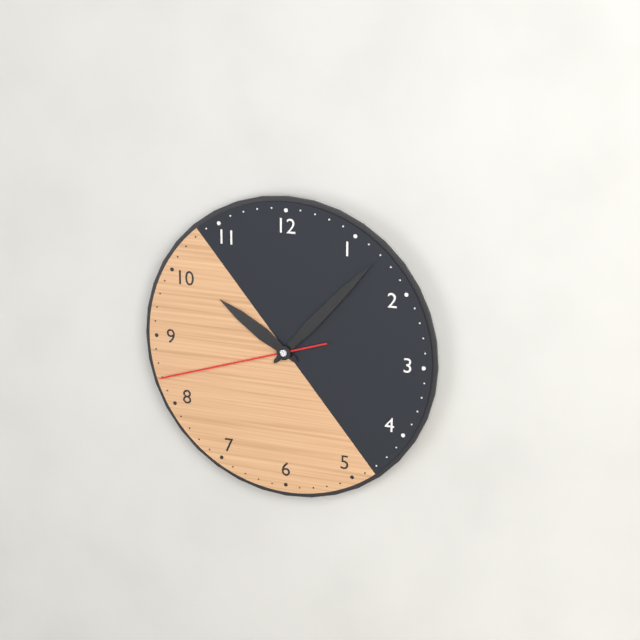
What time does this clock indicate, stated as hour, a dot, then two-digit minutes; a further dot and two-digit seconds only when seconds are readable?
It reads 10.07.42
